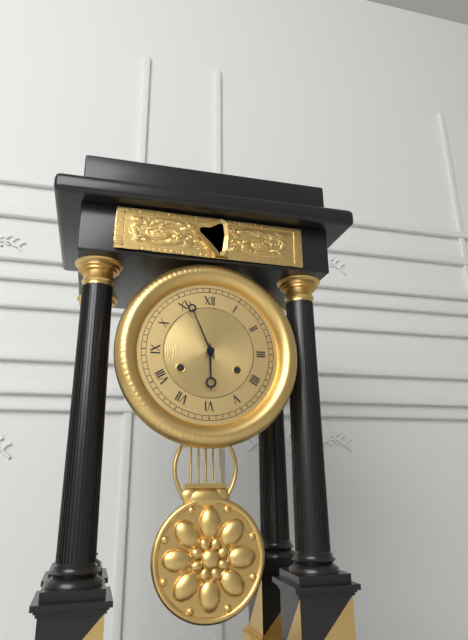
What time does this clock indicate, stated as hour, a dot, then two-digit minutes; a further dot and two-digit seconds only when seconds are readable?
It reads 5.56
